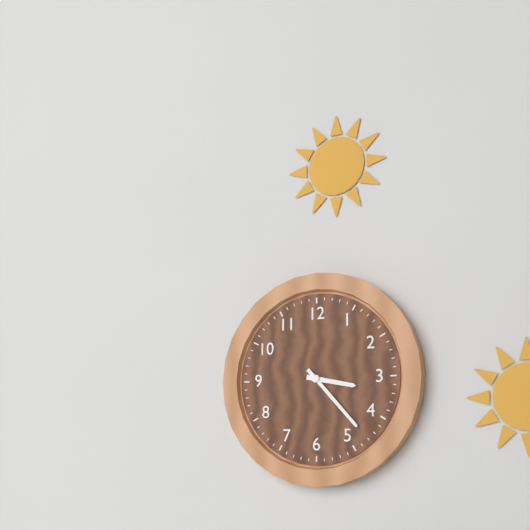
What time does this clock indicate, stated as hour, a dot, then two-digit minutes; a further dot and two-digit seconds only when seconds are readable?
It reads 3.23
